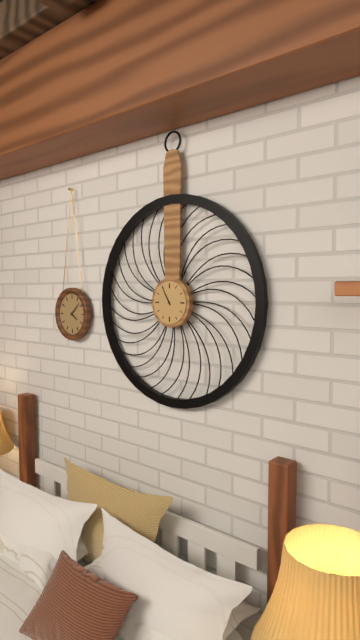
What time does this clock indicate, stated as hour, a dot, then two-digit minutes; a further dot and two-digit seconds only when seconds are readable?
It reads 10.55
